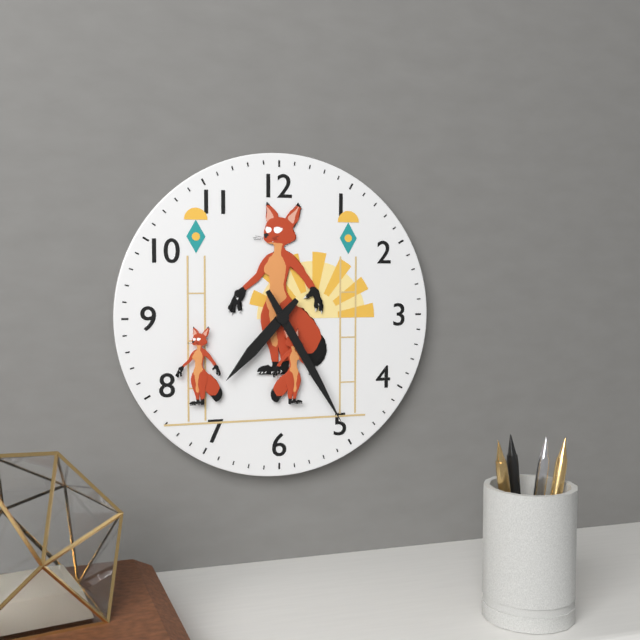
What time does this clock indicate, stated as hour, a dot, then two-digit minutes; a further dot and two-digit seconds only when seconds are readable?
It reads 7.25
